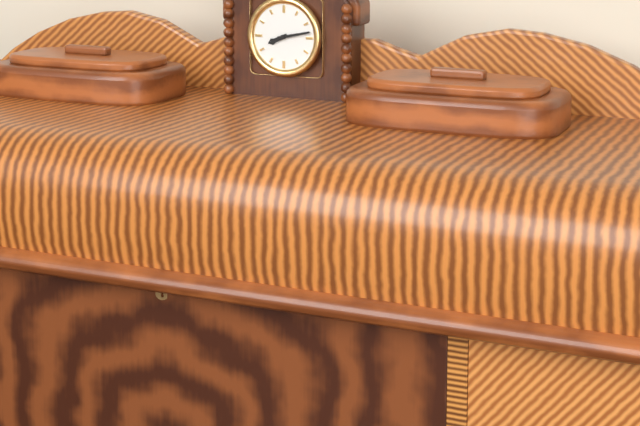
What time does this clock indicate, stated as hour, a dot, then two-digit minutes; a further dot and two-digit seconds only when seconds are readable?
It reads 8.13
